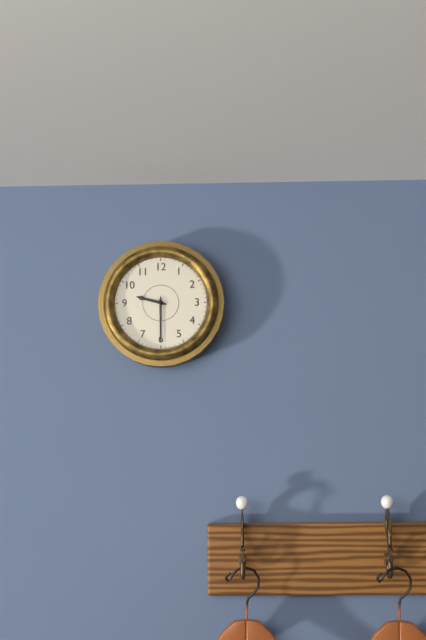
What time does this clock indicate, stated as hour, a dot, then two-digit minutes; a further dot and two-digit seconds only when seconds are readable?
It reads 9.30
